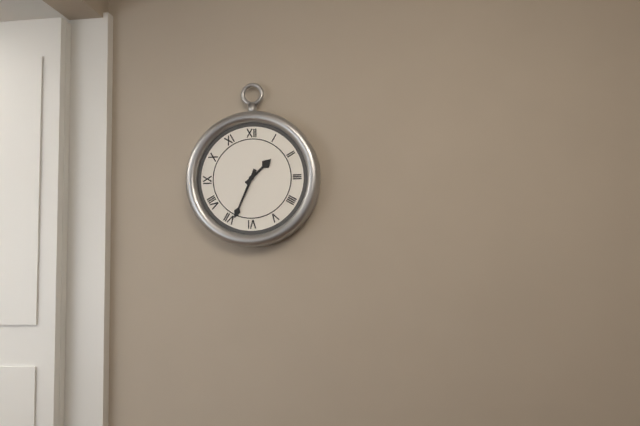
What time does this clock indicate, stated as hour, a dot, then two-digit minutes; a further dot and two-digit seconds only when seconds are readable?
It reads 1.34
